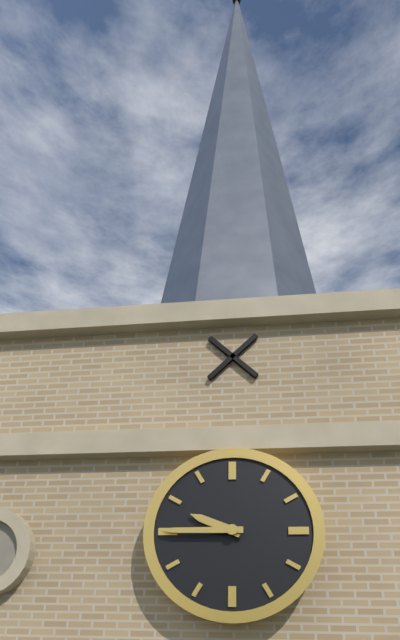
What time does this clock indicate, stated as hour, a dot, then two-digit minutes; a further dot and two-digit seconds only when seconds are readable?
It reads 9.45
